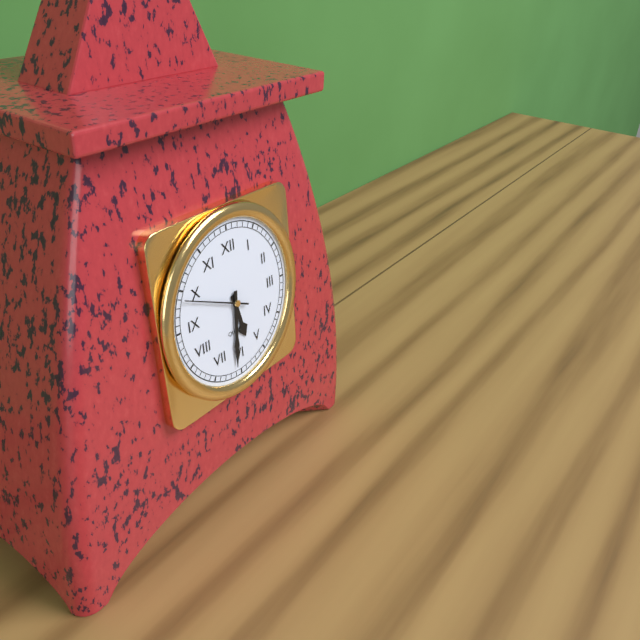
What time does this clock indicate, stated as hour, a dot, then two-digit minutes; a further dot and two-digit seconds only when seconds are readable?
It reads 5.31.49
